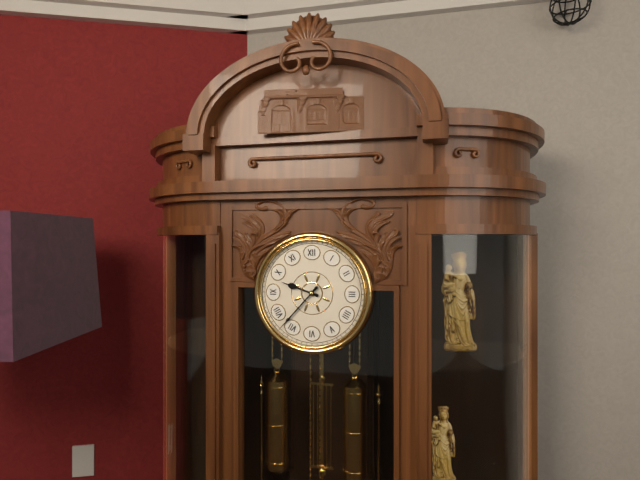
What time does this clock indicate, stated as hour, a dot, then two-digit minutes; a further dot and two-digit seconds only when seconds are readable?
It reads 9.37
